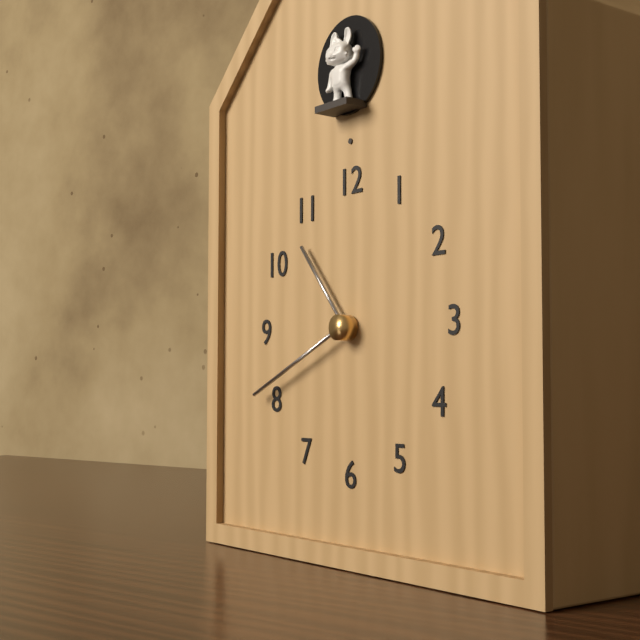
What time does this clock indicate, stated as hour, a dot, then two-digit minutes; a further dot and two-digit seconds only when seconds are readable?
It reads 10.41
